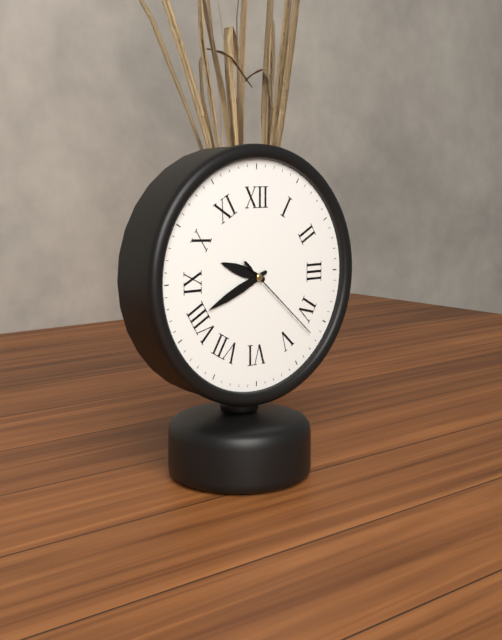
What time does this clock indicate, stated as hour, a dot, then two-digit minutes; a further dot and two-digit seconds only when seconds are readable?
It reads 9.41.22
